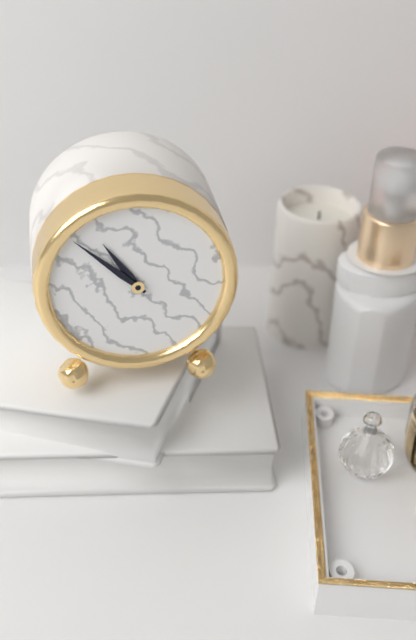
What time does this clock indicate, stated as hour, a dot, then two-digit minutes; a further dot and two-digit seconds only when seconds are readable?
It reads 10.52
